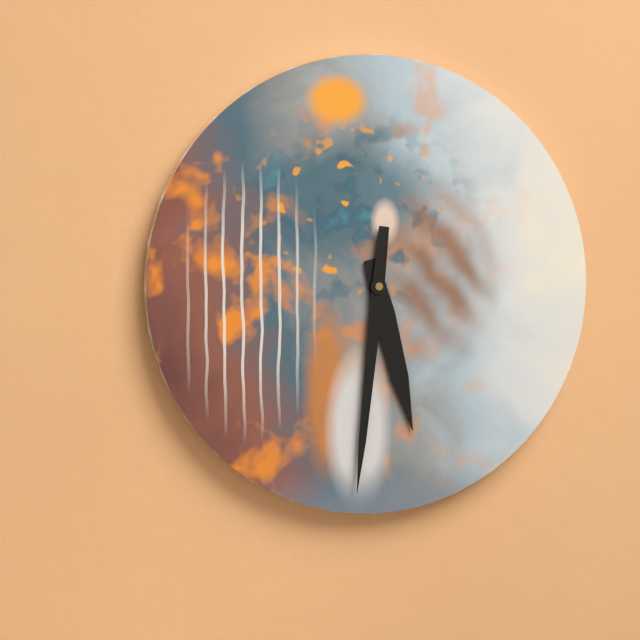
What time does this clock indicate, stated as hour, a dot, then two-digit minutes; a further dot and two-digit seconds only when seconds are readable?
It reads 5.31
